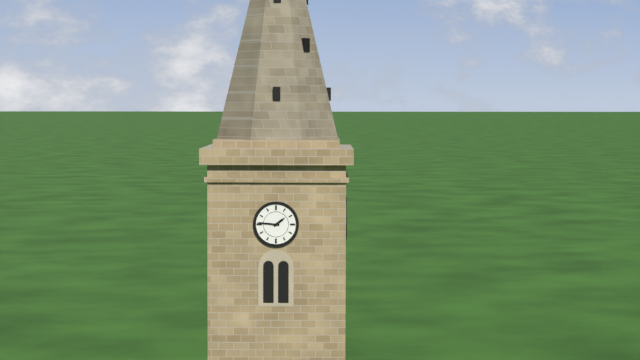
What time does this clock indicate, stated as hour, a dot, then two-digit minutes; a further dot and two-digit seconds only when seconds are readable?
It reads 1.46
